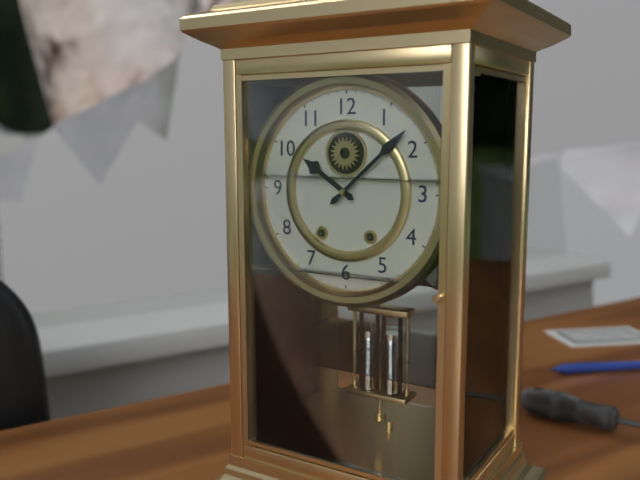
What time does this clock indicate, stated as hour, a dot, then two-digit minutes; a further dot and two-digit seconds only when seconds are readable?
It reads 10.08
